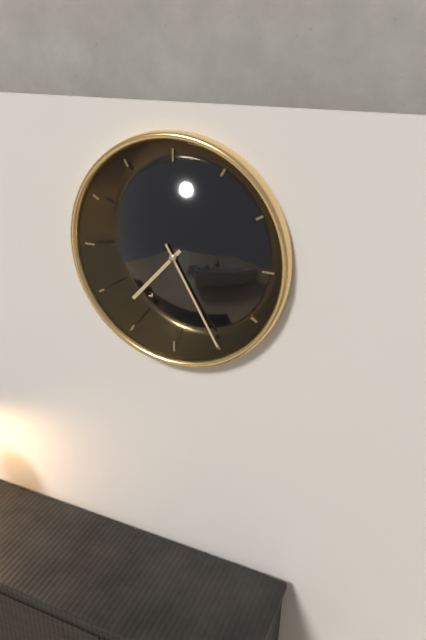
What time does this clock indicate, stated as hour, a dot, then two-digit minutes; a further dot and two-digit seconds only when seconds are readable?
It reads 7.25
